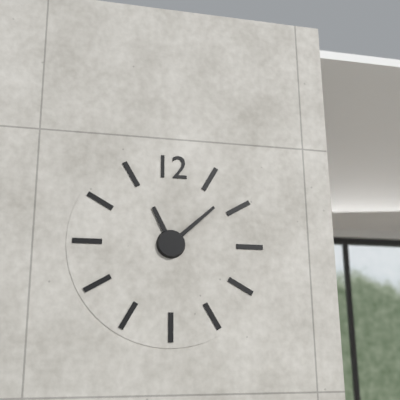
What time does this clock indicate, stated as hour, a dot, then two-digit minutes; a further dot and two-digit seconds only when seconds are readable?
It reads 11.08
